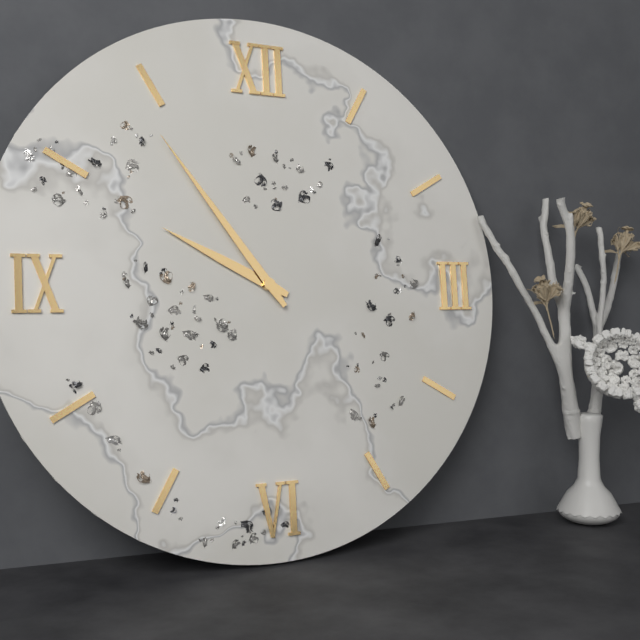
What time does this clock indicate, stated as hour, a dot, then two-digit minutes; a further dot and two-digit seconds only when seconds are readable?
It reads 9.54
